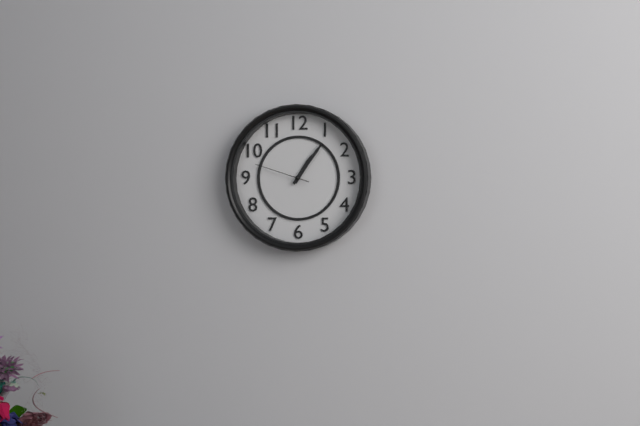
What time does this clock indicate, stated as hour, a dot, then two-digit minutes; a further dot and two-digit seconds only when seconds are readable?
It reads 1.06.48
